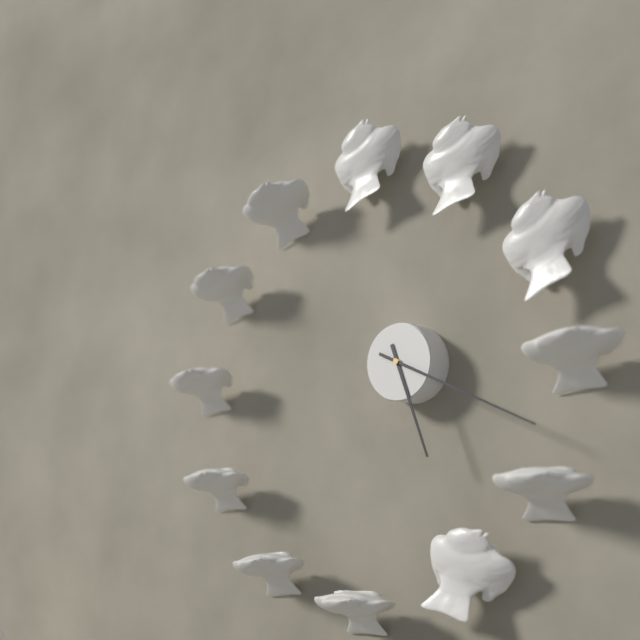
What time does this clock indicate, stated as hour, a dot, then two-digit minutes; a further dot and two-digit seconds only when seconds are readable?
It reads 5.19
